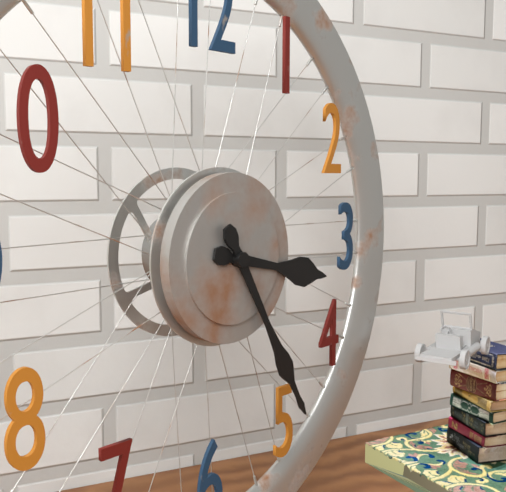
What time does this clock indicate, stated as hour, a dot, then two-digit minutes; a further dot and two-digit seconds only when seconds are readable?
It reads 3.25
